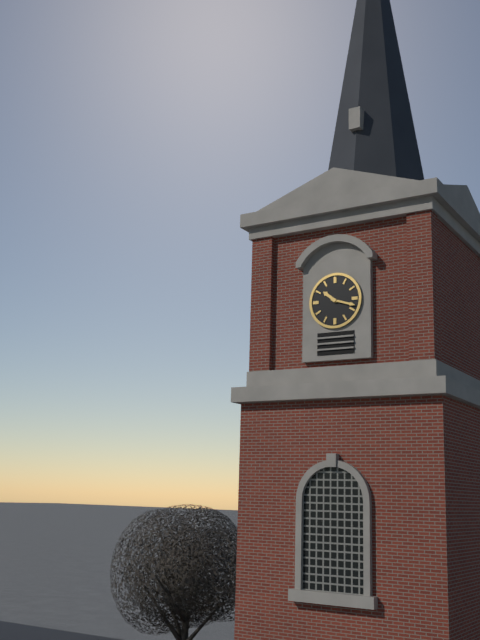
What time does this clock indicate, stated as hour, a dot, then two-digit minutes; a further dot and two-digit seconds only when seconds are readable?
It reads 10.18
